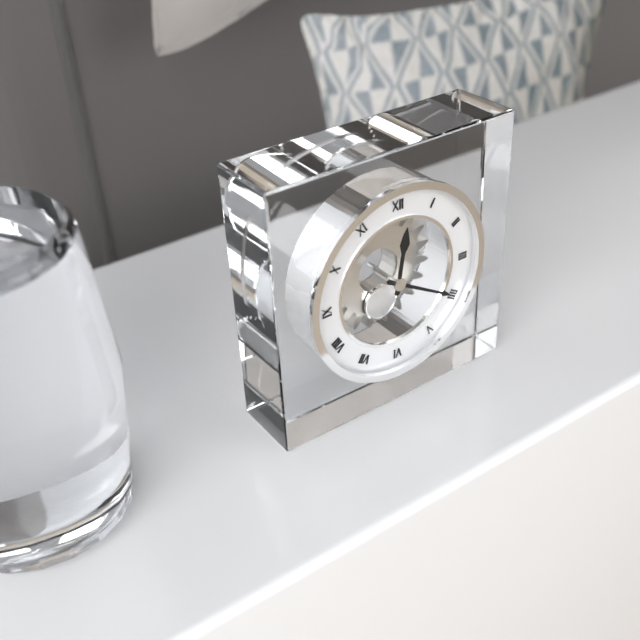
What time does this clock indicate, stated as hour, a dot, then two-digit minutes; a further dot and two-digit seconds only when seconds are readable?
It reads 12.20
